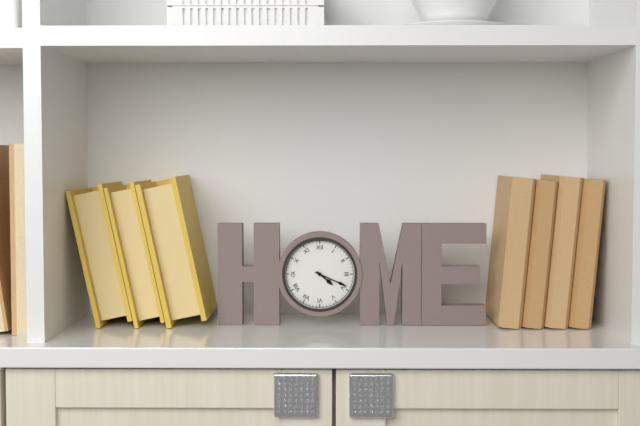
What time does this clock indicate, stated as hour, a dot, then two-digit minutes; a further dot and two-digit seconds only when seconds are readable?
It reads 4.19
